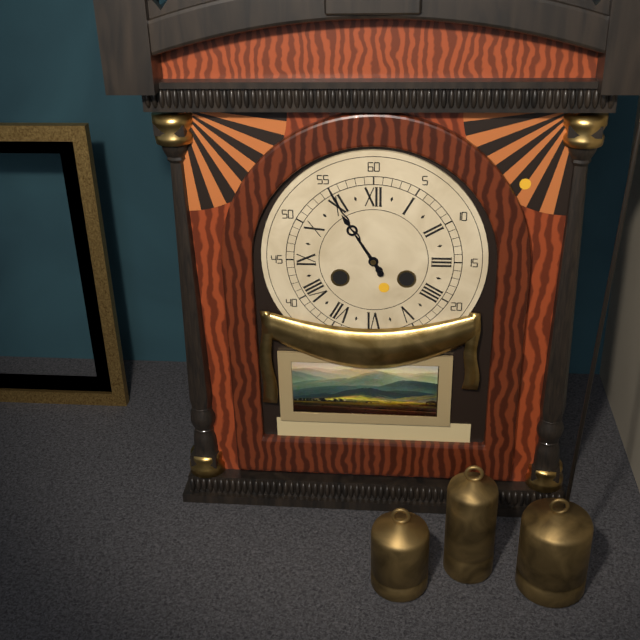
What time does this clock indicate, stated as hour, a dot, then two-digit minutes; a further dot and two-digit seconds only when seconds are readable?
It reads 10.55
